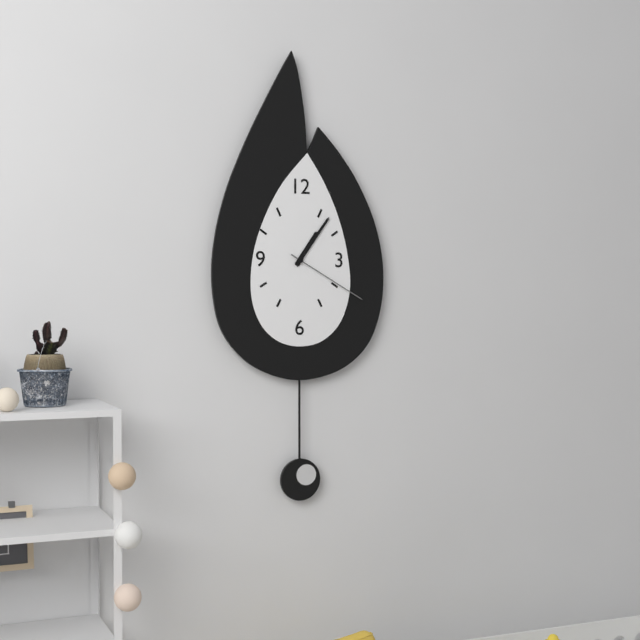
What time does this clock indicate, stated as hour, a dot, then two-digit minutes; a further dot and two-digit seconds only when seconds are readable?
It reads 1.06.20
